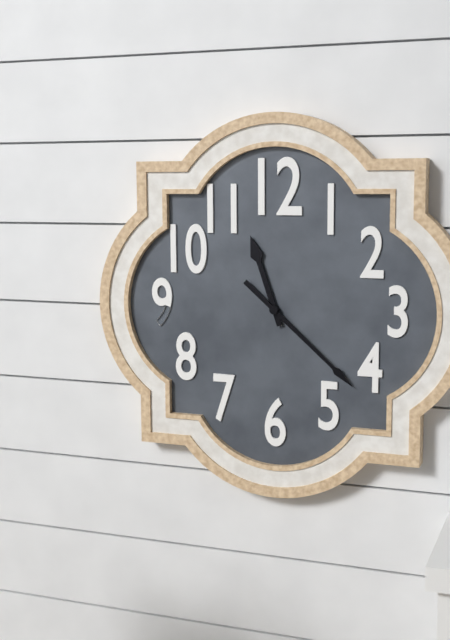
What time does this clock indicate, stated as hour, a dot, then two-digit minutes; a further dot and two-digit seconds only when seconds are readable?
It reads 11.22
